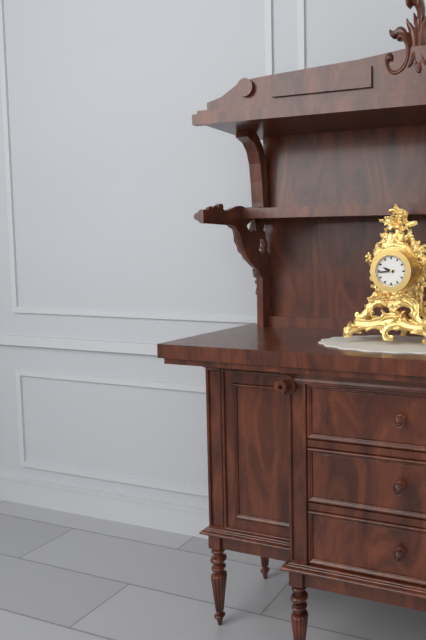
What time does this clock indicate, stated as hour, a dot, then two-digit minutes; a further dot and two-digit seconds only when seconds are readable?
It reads 9.44
